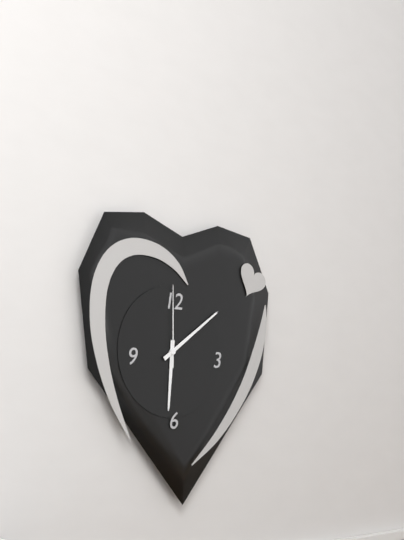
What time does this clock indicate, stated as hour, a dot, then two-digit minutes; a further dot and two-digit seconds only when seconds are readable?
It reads 6.09.00
